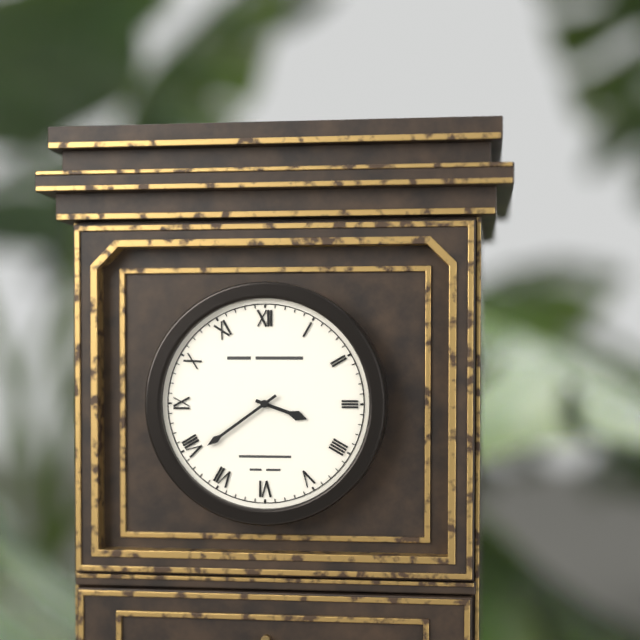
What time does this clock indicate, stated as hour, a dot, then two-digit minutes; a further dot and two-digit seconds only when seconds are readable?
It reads 3.39
